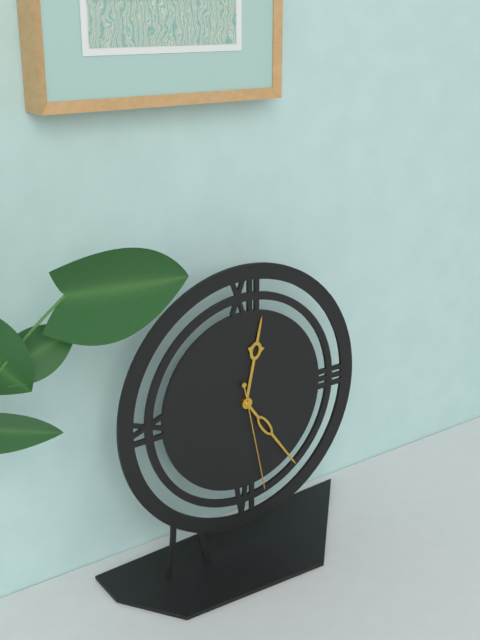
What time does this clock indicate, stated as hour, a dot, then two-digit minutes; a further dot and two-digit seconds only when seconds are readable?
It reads 12.24.28
